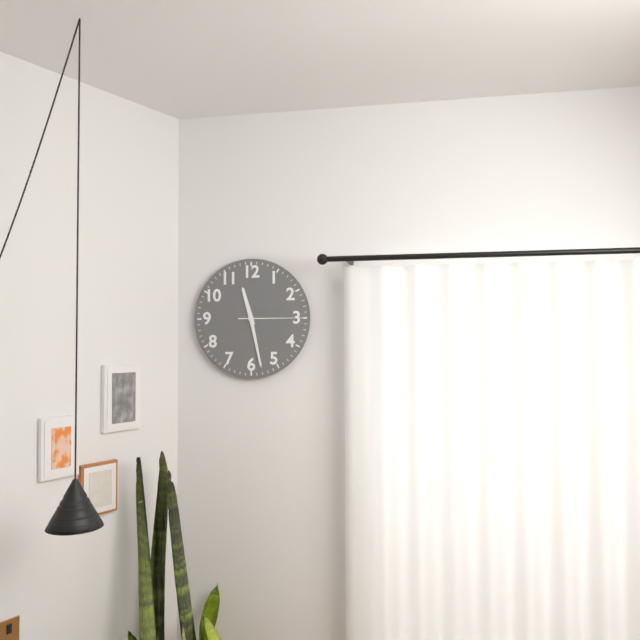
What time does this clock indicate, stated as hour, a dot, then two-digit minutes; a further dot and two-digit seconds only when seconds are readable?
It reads 11.28.15
